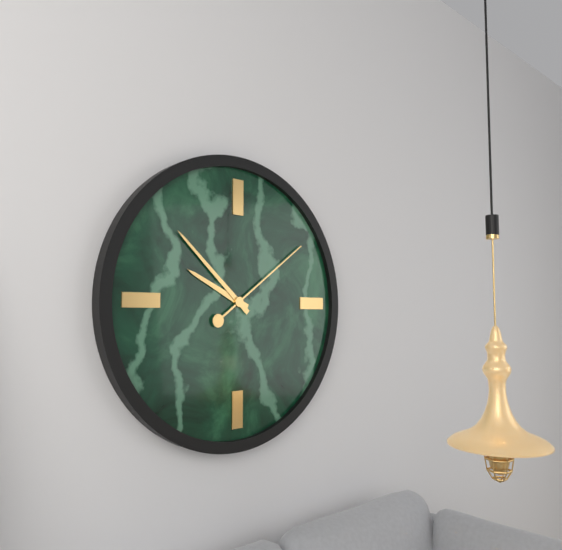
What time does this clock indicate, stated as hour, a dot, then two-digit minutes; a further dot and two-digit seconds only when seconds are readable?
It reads 9.52.09
